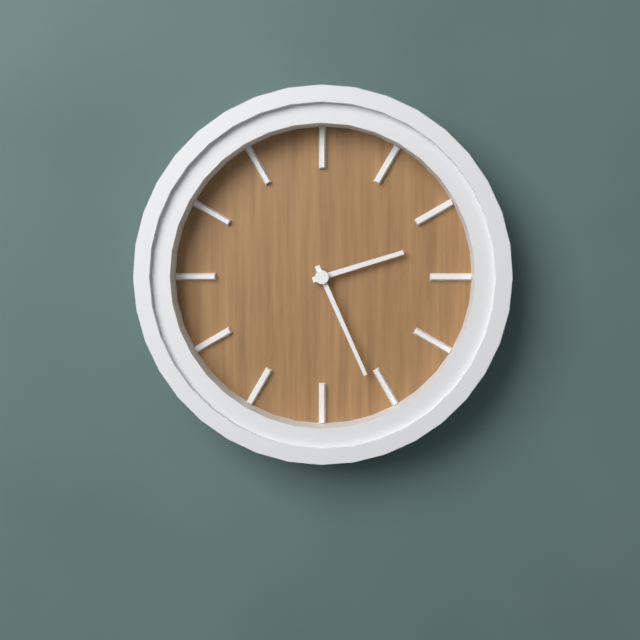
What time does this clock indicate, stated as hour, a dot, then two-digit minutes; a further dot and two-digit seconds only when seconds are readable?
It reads 2.26
